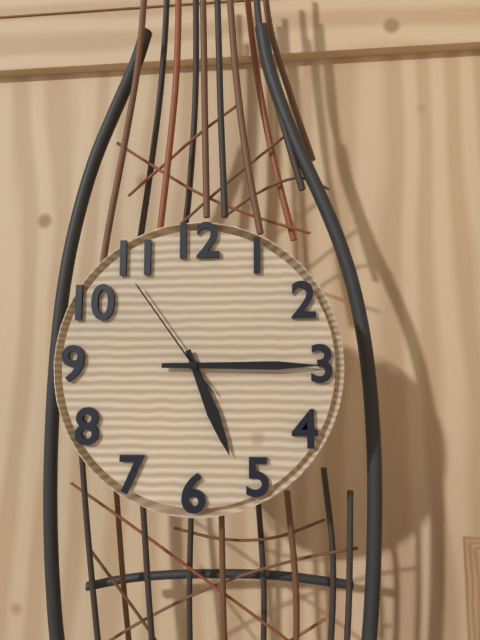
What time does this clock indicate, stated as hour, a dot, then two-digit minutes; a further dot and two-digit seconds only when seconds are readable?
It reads 5.15.54
